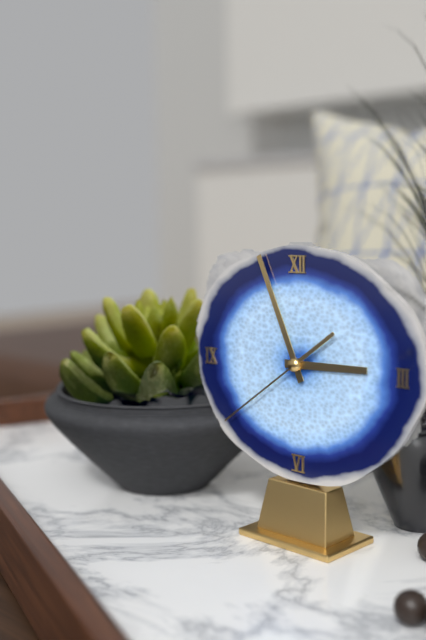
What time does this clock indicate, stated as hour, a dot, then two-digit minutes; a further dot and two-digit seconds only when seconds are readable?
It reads 2.56.39
